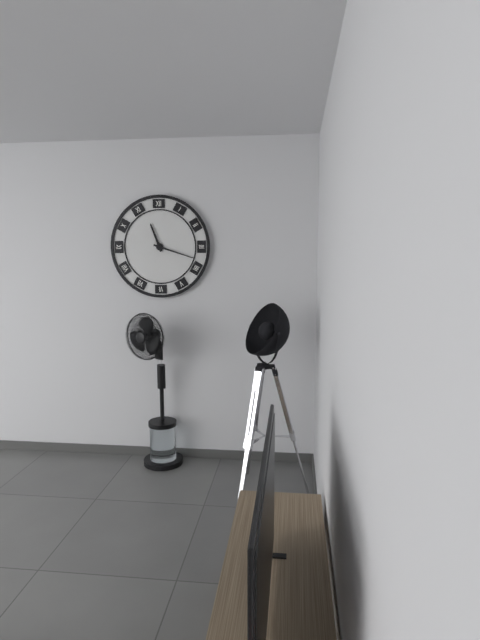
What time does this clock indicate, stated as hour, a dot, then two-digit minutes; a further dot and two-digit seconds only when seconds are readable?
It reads 11.18
